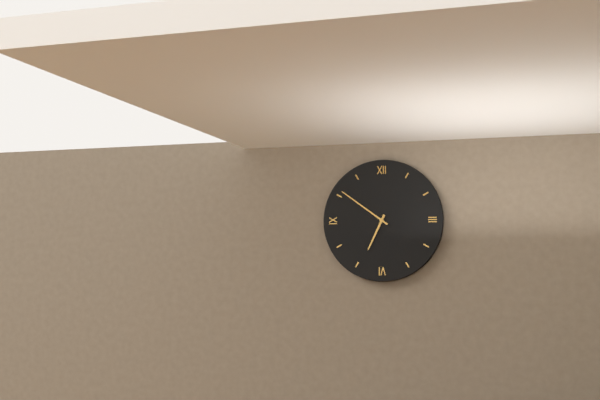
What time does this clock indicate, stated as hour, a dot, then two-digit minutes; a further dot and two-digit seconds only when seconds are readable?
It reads 6.51
